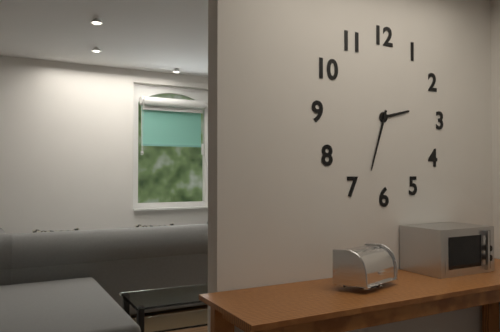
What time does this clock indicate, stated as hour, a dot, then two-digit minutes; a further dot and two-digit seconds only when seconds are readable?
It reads 2.33
